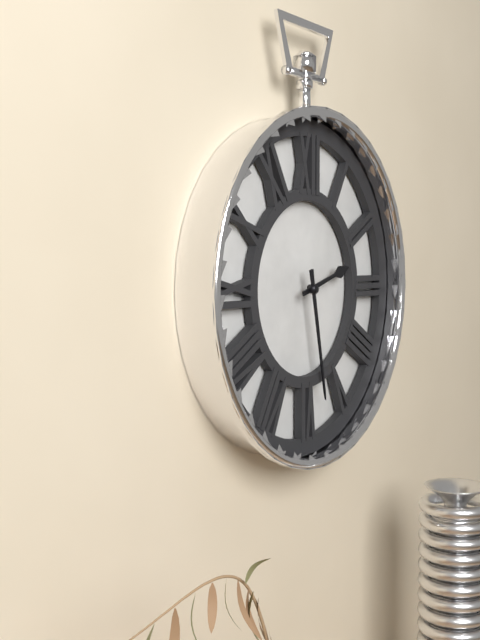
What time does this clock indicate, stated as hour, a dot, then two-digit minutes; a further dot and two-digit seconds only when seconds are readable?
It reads 2.28
